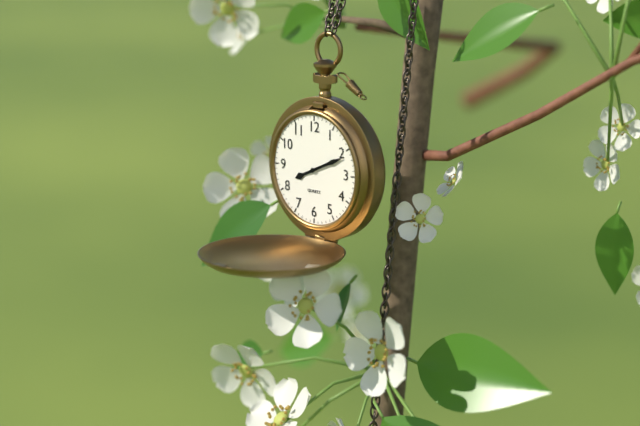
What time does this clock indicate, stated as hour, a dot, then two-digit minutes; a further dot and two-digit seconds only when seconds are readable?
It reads 8.11
